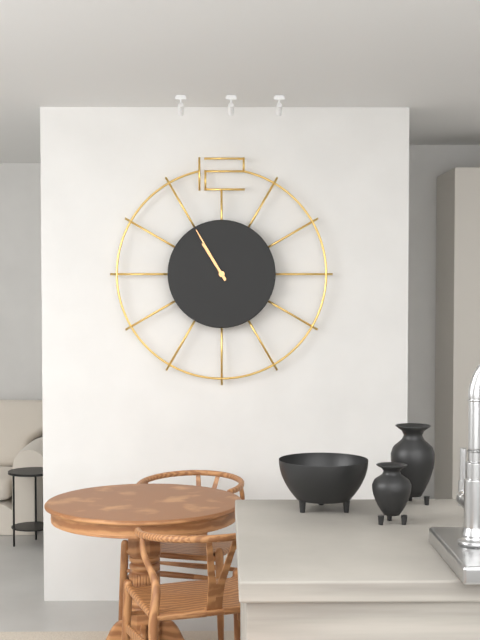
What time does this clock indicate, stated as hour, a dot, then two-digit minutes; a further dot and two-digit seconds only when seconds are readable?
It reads 10.55
